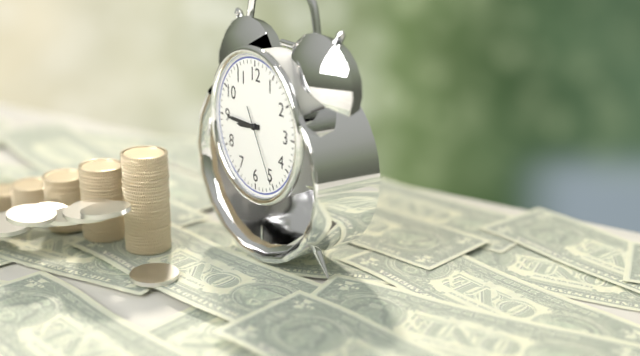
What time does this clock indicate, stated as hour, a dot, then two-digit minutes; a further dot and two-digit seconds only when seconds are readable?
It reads 8.45.25
